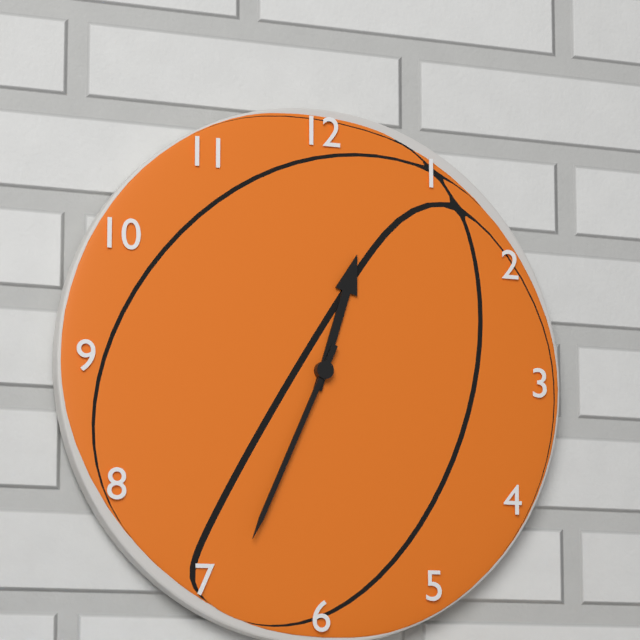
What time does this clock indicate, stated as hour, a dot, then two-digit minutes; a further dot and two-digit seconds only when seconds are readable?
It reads 12.34
